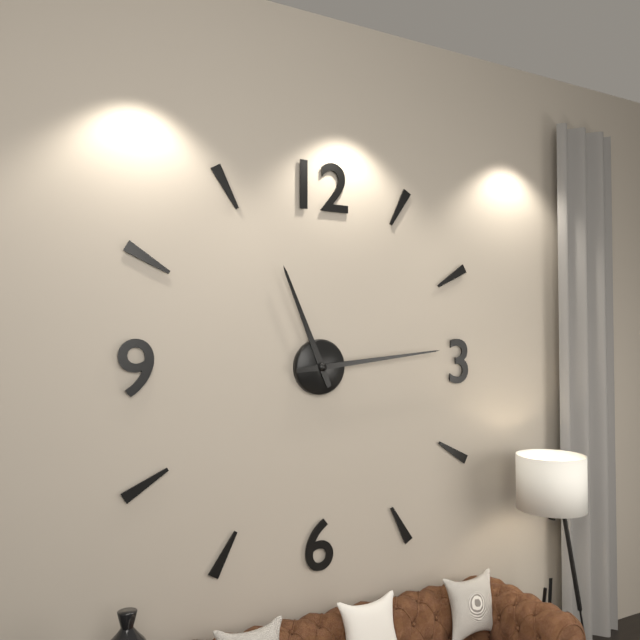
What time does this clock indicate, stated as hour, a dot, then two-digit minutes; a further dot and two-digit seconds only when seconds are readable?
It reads 11.14
